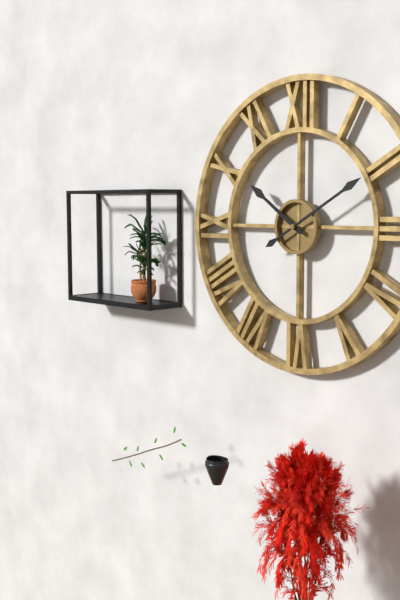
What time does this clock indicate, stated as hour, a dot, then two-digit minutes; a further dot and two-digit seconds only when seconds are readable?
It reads 10.10
